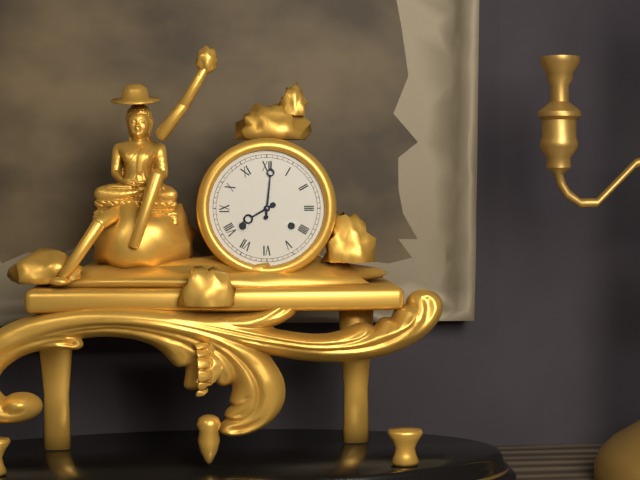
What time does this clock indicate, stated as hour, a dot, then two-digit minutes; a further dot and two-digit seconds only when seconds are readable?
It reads 8.01
